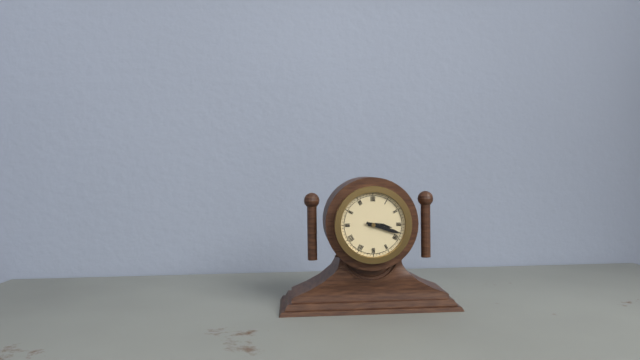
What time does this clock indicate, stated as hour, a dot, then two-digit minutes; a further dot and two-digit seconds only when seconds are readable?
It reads 3.18
